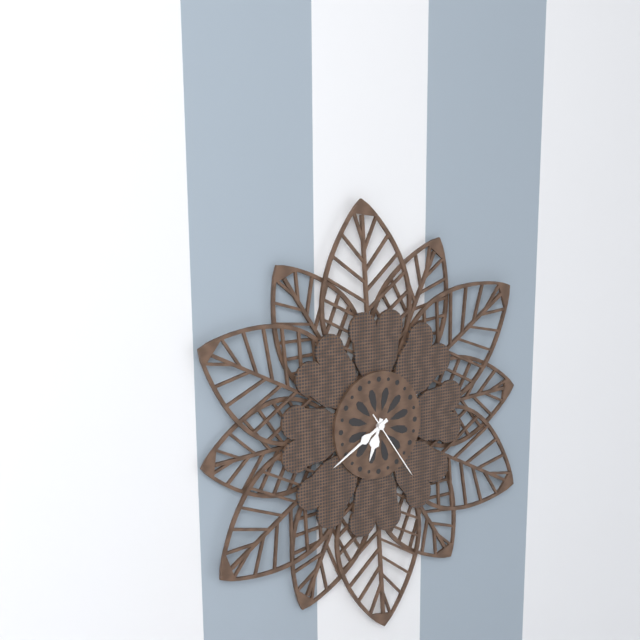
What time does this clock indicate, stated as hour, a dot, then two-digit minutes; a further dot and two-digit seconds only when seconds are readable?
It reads 6.40.24
